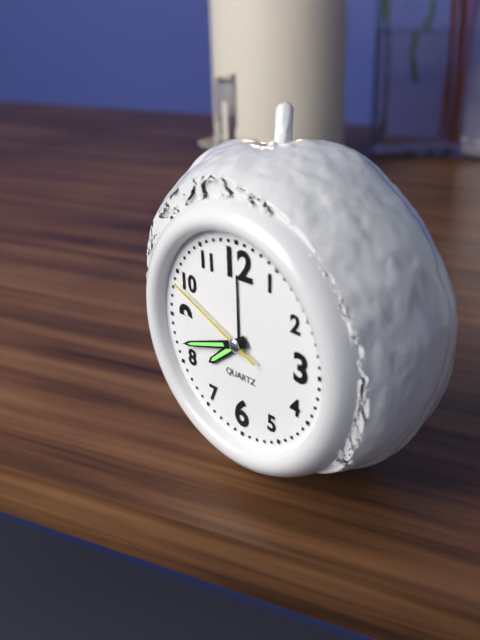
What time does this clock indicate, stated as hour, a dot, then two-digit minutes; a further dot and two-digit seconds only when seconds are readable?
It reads 7.42.49
